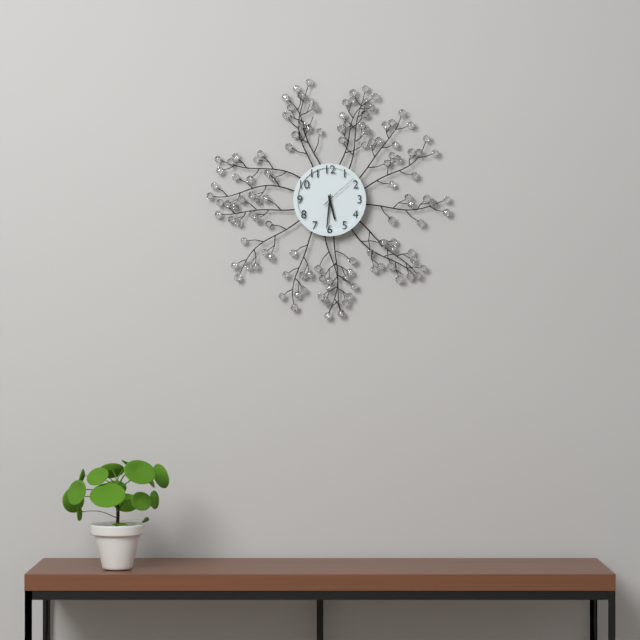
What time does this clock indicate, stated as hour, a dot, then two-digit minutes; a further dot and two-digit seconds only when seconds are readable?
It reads 5.31
